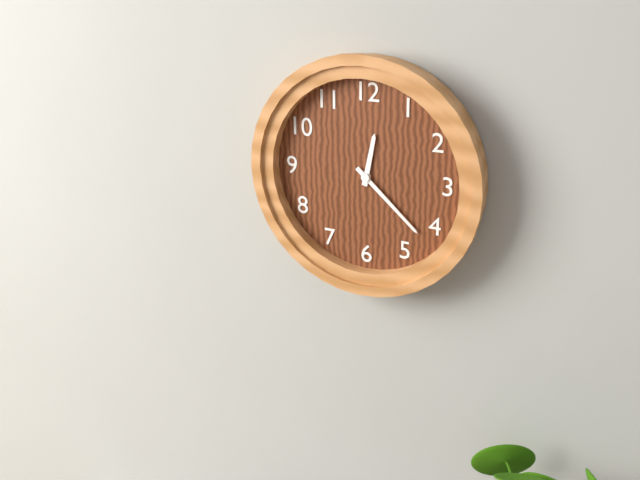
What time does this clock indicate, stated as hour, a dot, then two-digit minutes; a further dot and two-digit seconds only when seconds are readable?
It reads 12.22
